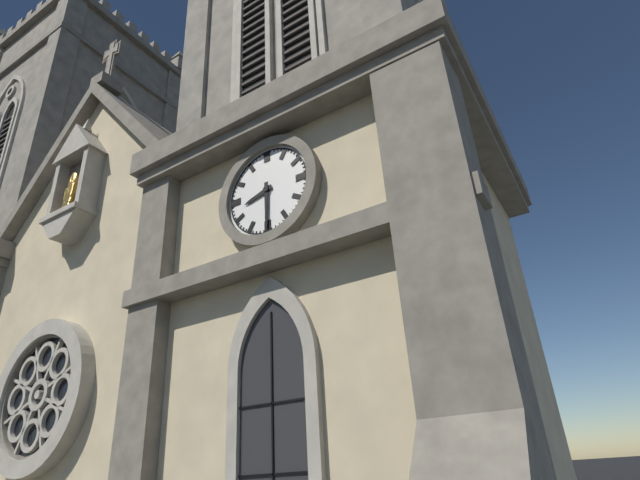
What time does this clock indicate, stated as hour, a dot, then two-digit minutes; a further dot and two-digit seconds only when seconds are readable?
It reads 8.30
